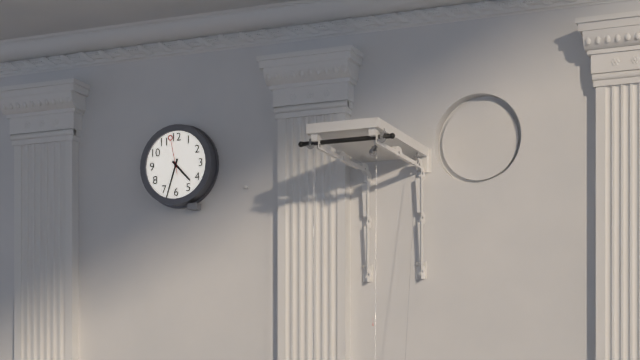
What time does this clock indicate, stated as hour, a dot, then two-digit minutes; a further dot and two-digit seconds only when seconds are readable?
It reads 4.33
